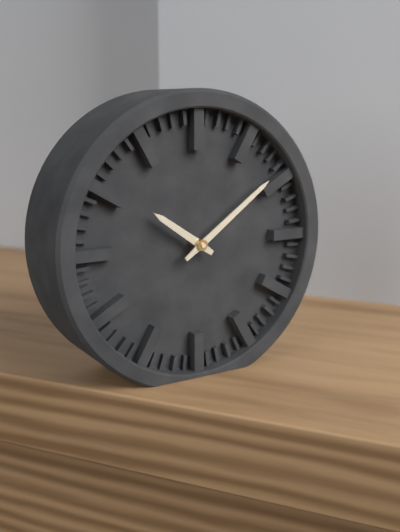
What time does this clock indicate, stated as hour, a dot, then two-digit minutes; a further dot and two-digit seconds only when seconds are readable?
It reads 10.09
